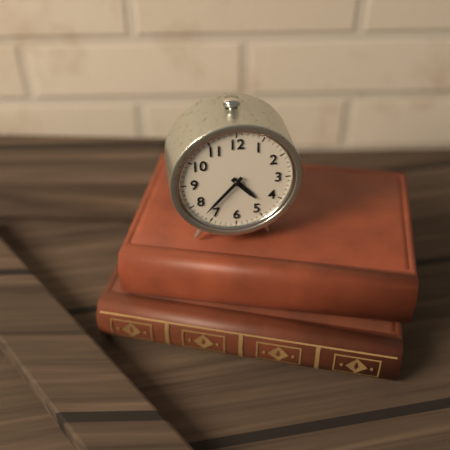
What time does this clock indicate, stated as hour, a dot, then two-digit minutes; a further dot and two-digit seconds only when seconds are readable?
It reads 4.37
